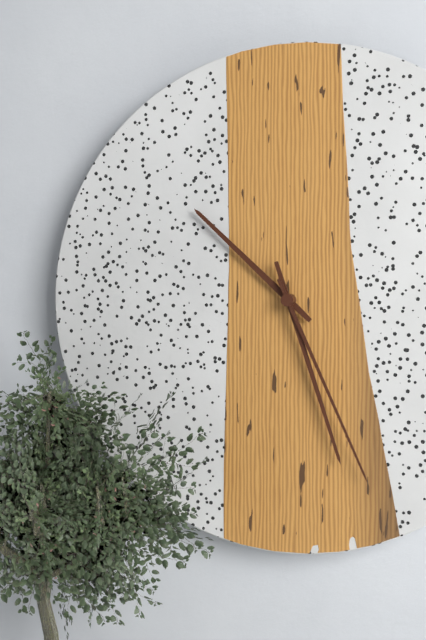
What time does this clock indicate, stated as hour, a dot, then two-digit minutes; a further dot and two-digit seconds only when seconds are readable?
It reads 10.27.26
